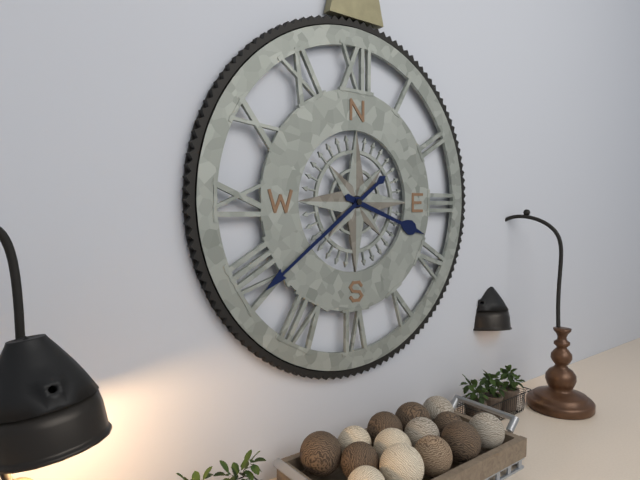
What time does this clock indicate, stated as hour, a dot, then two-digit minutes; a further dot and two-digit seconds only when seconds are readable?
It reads 3.39
